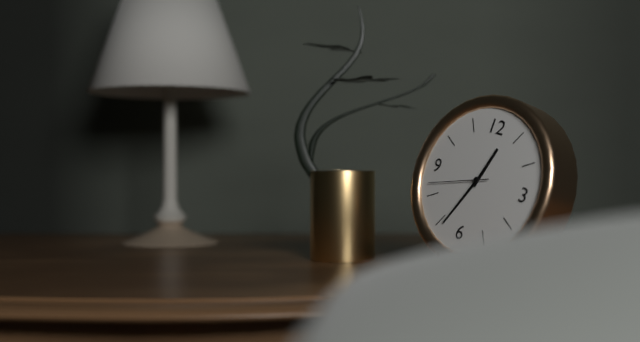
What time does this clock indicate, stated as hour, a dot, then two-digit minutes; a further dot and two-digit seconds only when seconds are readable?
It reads 12.34.42
